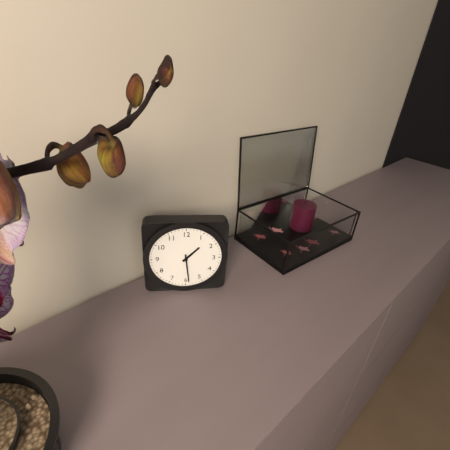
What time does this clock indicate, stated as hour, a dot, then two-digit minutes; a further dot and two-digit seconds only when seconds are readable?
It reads 1.29
